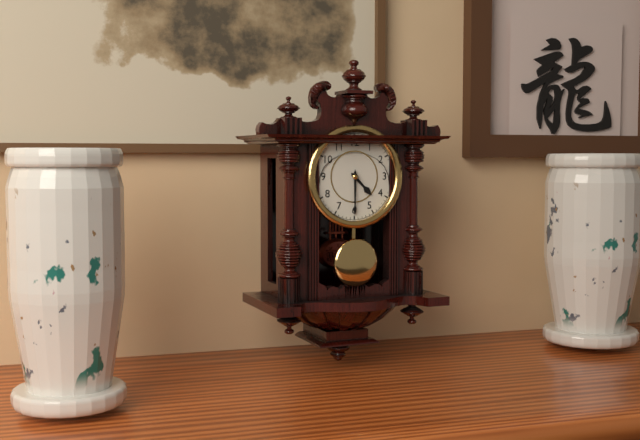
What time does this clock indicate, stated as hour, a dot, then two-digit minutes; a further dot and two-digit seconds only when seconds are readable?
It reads 4.30
